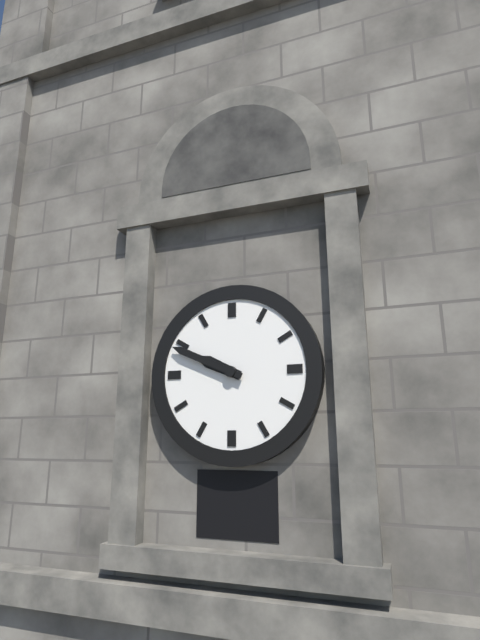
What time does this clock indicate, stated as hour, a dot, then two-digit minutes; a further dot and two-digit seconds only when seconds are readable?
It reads 9.49
